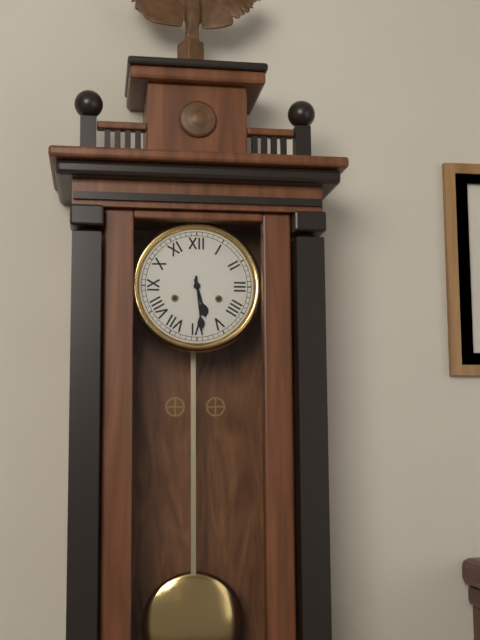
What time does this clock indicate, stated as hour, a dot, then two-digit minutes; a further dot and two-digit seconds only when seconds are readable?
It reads 5.29
